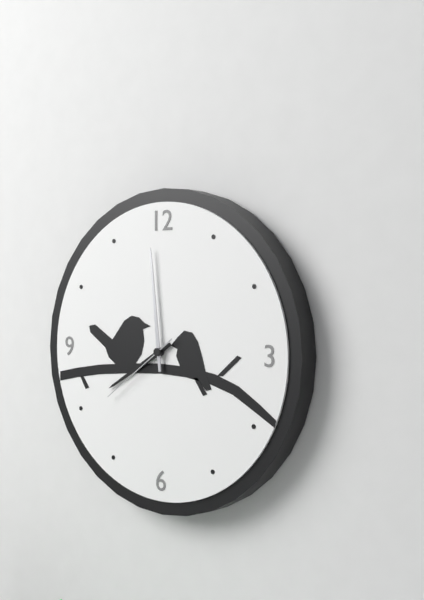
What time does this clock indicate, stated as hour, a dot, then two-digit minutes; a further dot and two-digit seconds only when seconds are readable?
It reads 7.59.39
